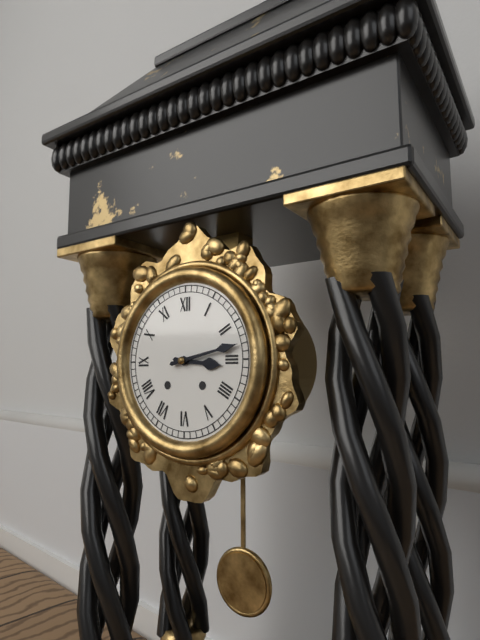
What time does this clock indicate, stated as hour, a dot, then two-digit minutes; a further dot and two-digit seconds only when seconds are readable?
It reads 3.13
